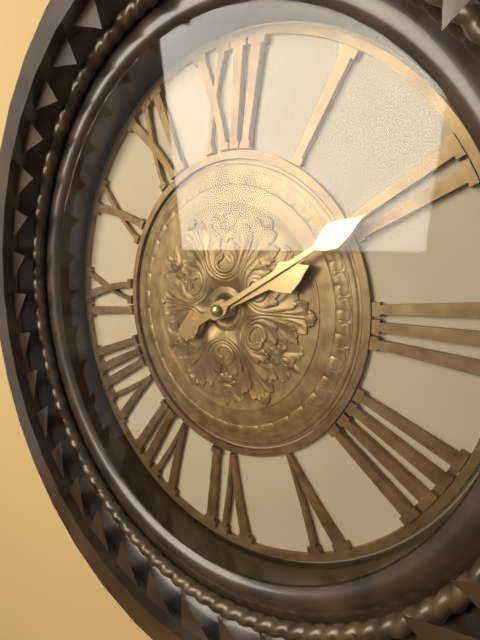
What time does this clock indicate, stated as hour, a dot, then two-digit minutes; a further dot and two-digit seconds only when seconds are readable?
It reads 2.10
